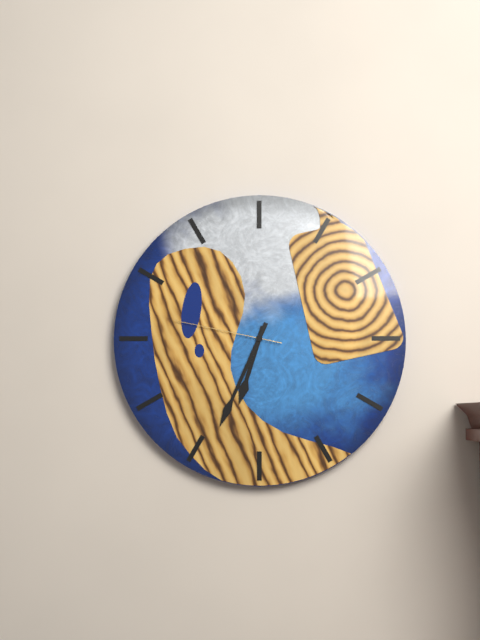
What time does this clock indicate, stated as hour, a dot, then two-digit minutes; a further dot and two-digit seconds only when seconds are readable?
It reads 6.34.47
